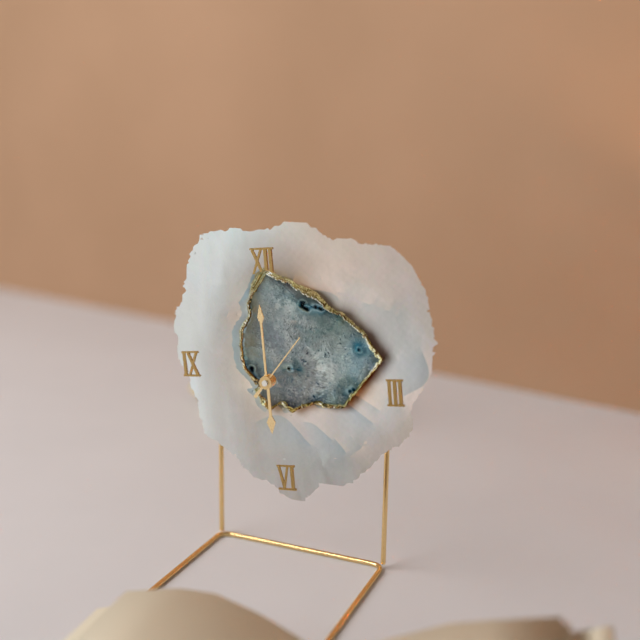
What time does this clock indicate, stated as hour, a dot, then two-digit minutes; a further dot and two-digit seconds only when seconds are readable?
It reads 6.00.07
